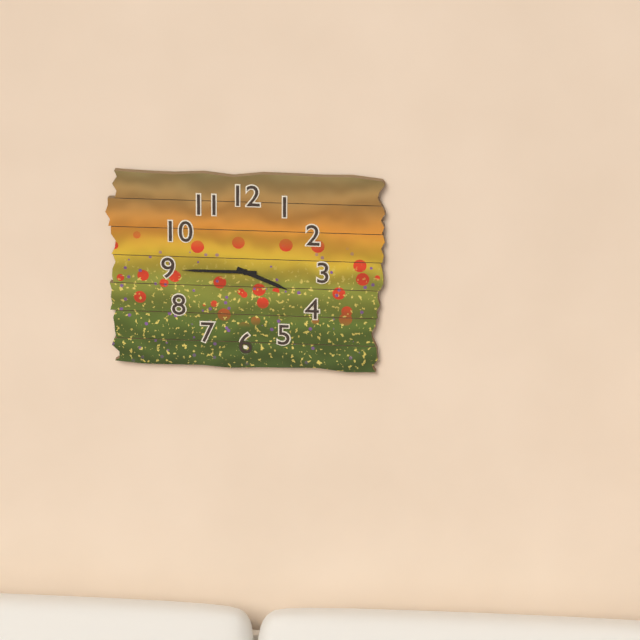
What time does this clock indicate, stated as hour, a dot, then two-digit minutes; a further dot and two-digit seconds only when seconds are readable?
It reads 3.45
